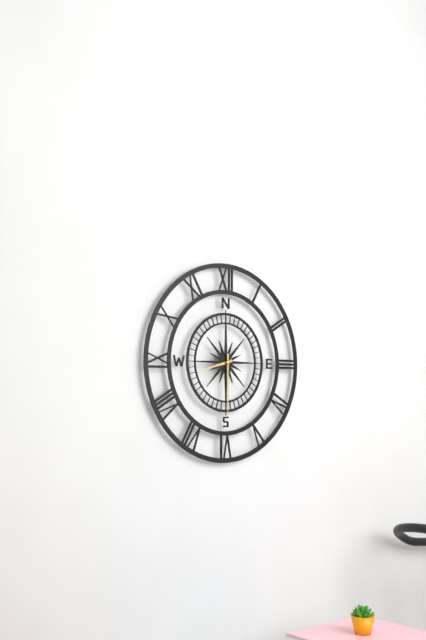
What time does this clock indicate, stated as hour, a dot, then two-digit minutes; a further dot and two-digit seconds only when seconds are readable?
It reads 8.30
